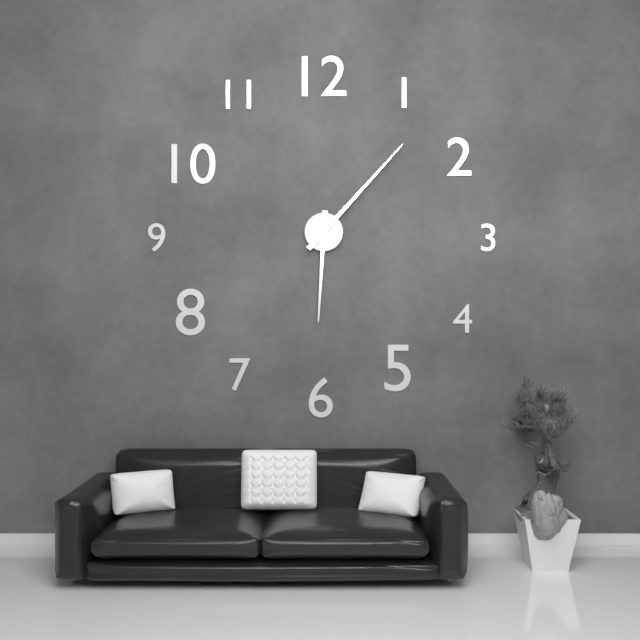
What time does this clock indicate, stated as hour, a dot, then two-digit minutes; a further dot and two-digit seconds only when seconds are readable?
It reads 6.07
